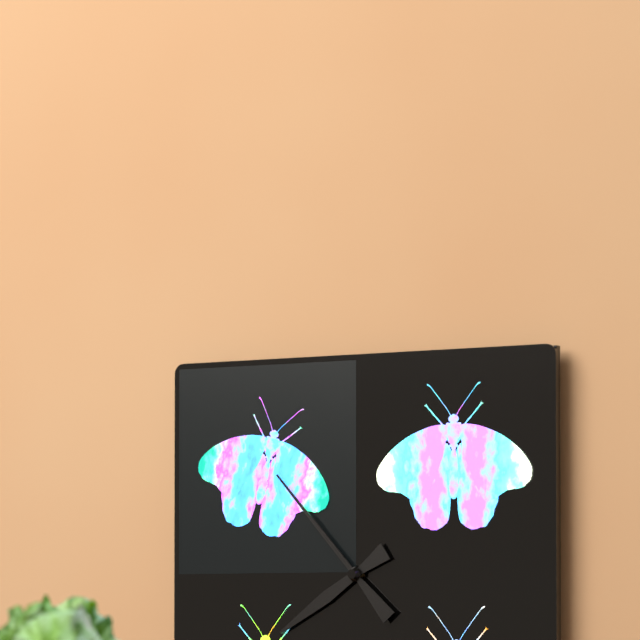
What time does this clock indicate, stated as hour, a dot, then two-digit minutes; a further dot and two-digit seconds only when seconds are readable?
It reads 7.53
